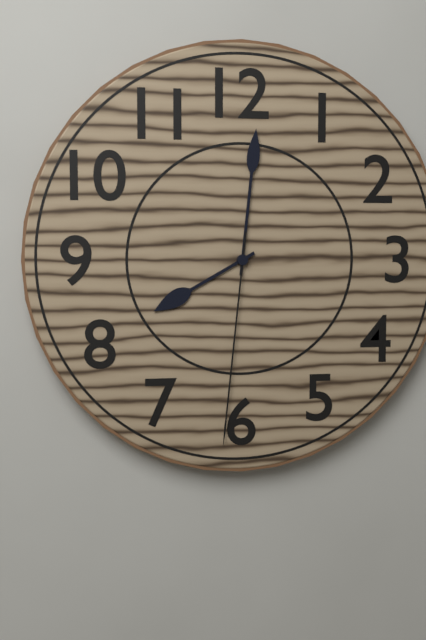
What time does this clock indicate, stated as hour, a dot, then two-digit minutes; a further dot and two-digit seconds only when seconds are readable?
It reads 8.01.31
